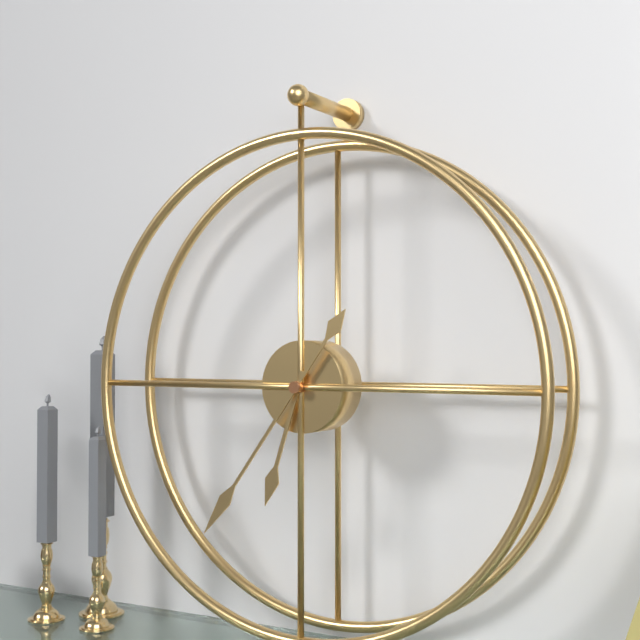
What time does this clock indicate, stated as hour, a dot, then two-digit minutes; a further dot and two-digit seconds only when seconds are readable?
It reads 6.36
